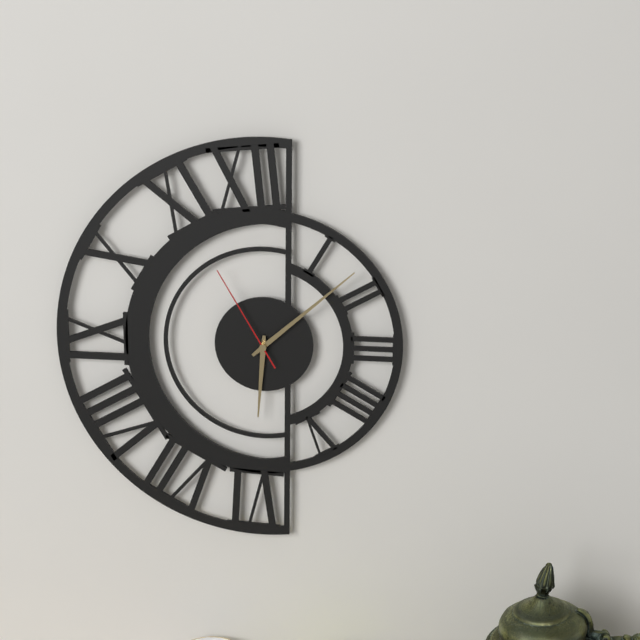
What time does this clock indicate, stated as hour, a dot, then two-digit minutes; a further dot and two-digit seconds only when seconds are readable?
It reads 6.08.55
